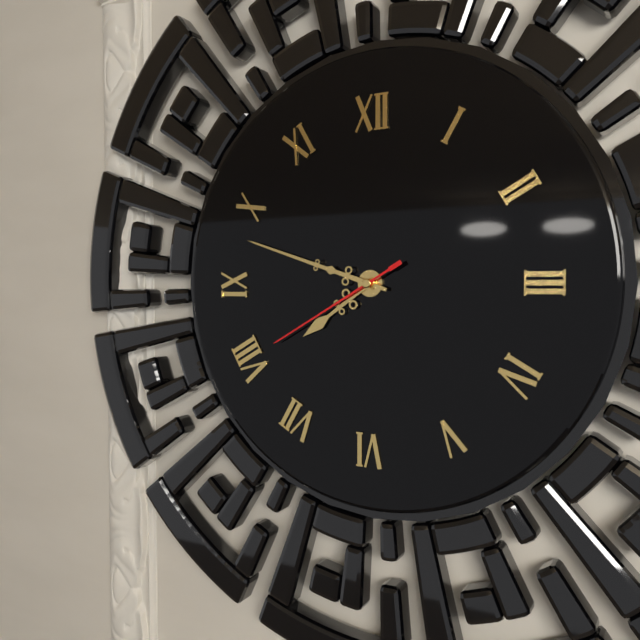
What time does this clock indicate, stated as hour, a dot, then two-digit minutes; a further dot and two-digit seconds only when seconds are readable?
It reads 7.48.40
